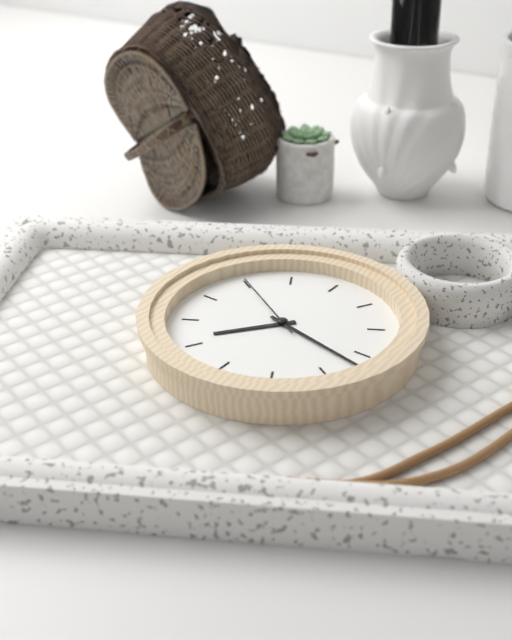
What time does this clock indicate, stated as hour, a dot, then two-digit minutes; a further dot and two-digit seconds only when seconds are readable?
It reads 7.17.50
